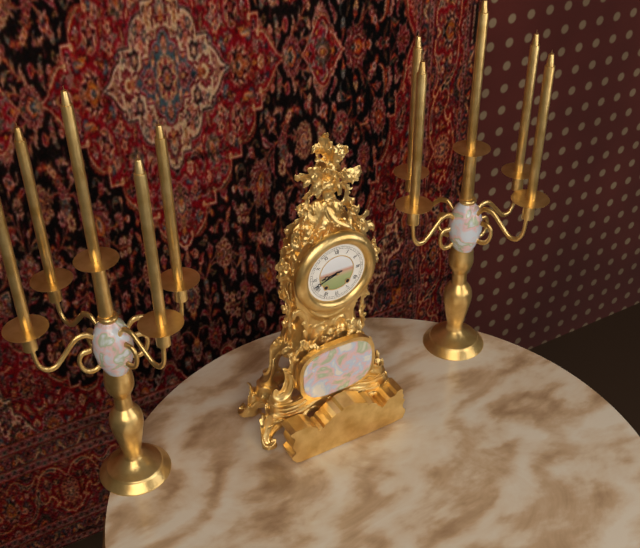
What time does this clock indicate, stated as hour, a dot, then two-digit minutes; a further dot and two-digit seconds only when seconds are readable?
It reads 8.42
